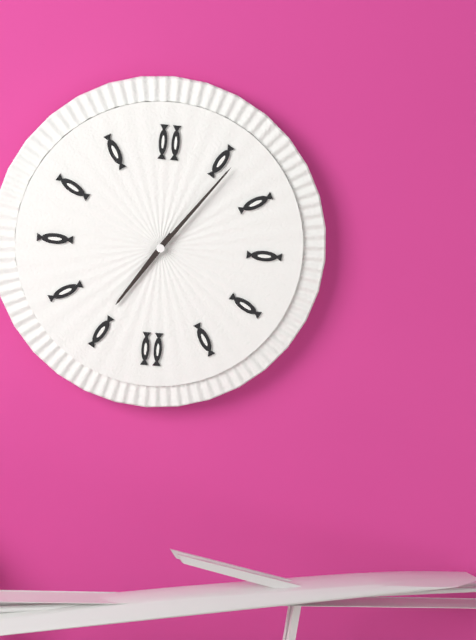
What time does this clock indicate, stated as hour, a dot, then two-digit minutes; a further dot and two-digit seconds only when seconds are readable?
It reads 7.06
